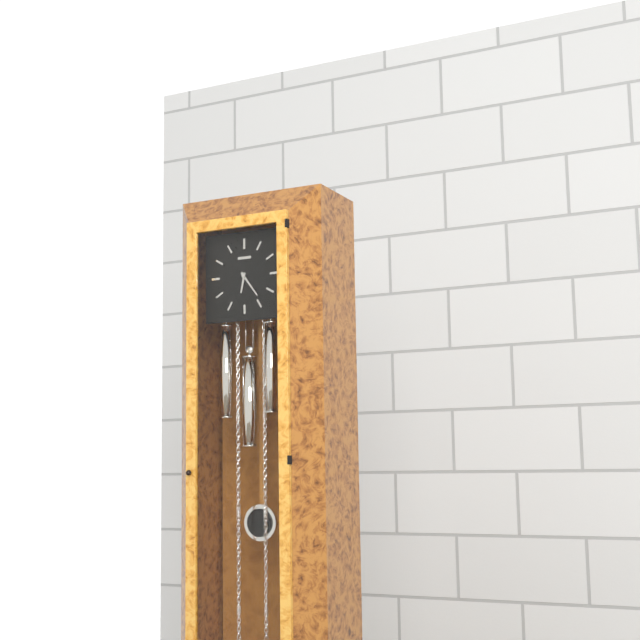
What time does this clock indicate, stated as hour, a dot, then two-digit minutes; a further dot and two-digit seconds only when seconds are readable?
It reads 6.24
